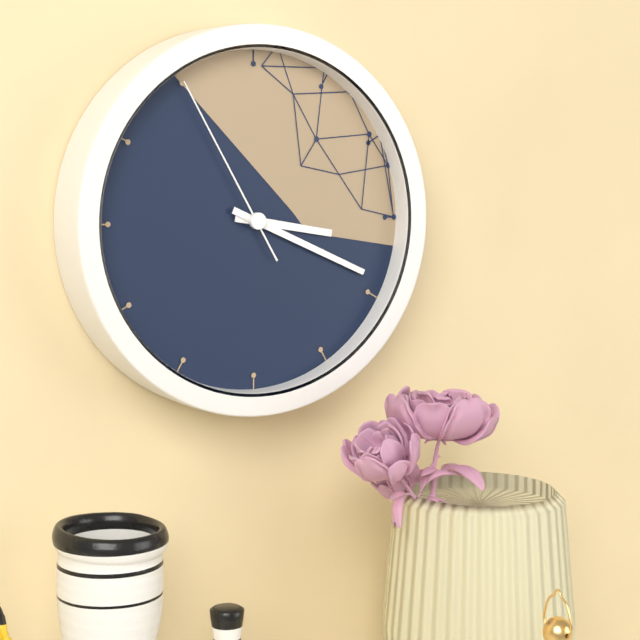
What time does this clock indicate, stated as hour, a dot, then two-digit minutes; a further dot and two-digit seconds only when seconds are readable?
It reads 3.19.55
